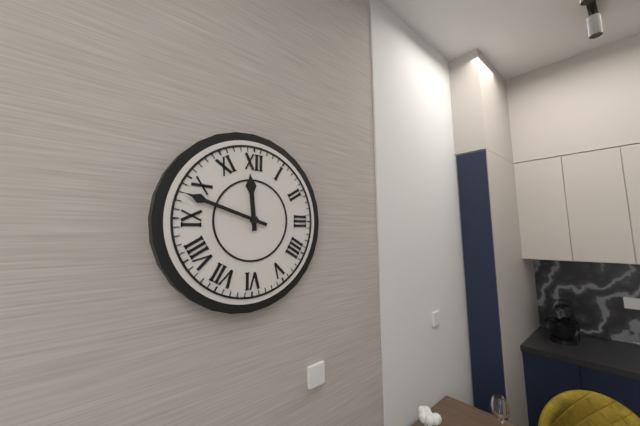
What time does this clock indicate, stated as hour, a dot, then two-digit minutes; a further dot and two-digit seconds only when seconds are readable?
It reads 11.48
